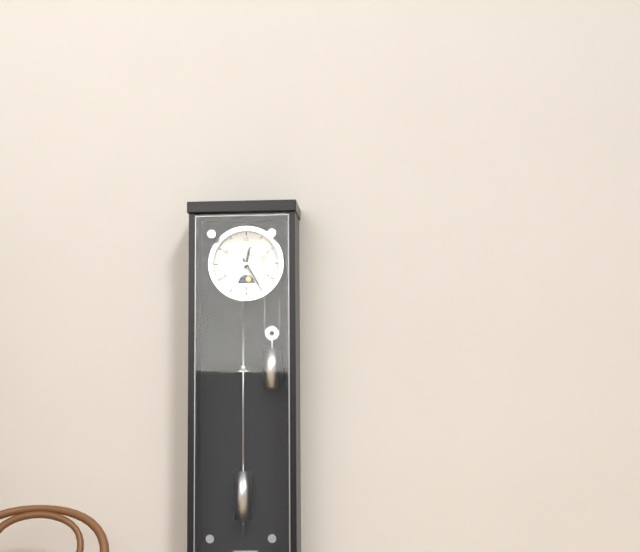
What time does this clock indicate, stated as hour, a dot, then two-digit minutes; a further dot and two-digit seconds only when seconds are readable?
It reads 12.25
